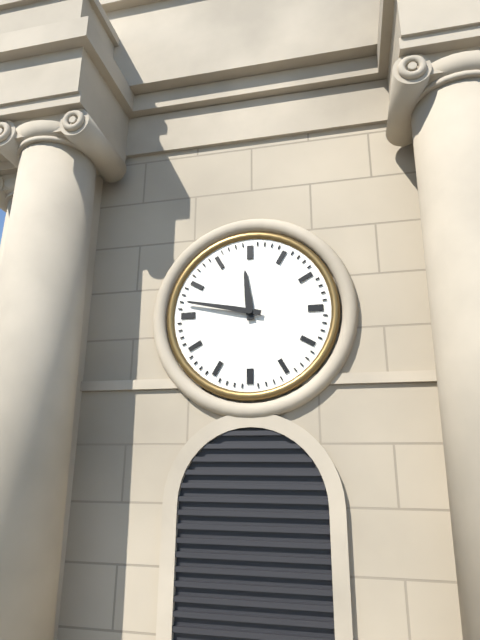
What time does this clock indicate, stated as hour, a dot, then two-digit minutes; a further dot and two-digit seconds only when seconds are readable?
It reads 11.47
